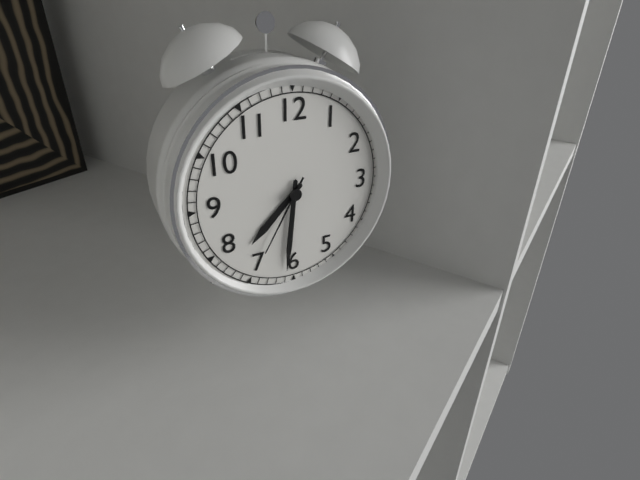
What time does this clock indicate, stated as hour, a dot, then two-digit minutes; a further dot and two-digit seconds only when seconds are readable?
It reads 7.31.35
